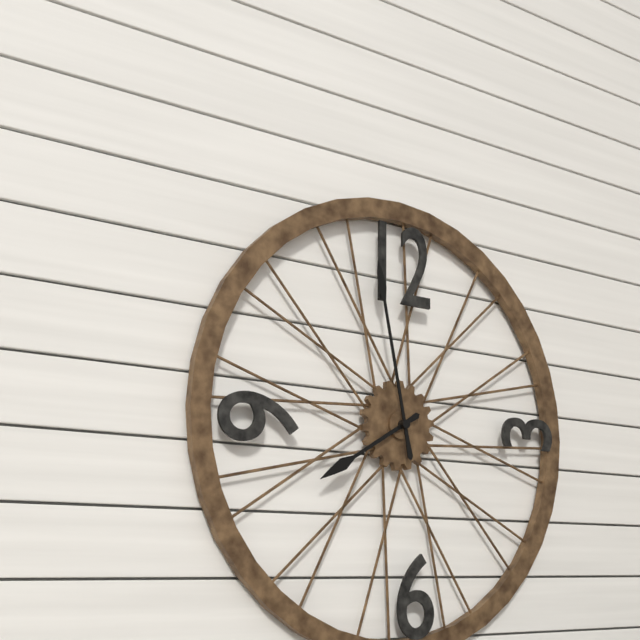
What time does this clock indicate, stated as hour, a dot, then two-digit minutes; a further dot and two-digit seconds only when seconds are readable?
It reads 7.58
